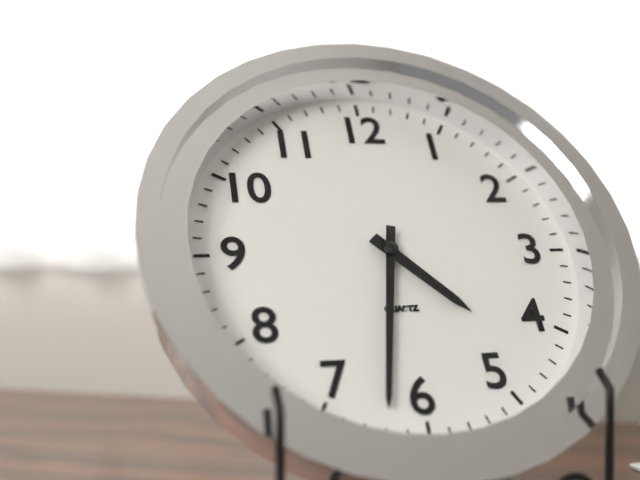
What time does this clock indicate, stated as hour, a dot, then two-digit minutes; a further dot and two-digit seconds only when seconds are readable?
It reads 4.32
